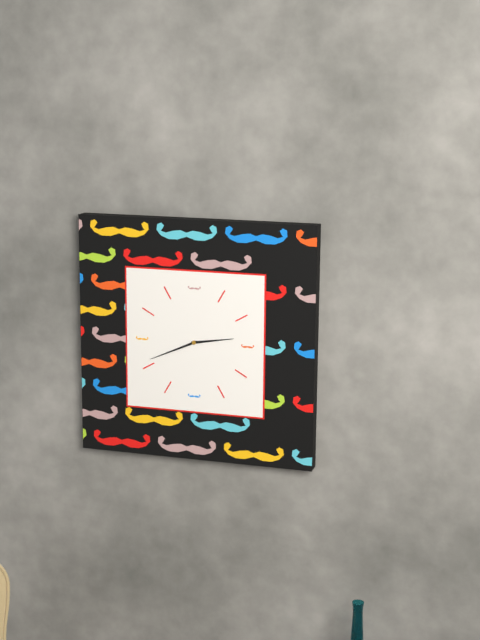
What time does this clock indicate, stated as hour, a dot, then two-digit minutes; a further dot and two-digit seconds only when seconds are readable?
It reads 2.41
